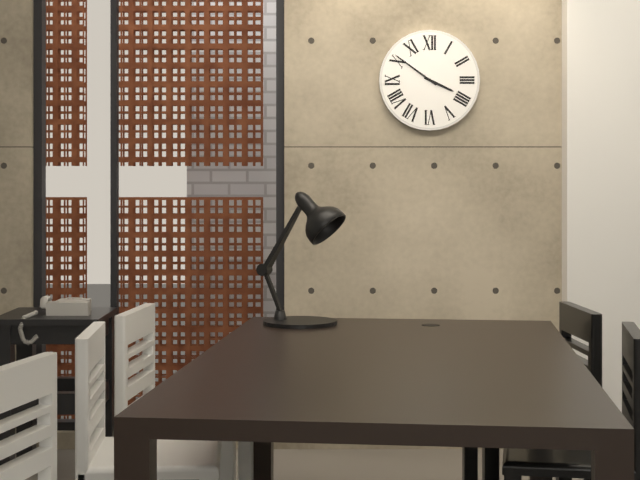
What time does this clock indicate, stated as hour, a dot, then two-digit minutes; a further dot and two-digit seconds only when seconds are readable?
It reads 3.51
